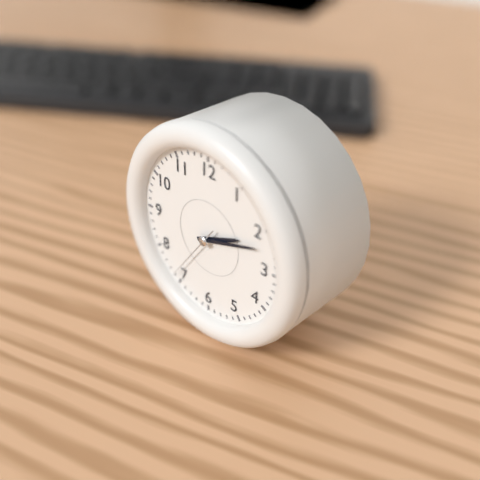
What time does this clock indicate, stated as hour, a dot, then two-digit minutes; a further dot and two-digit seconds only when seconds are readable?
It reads 2.12.36
